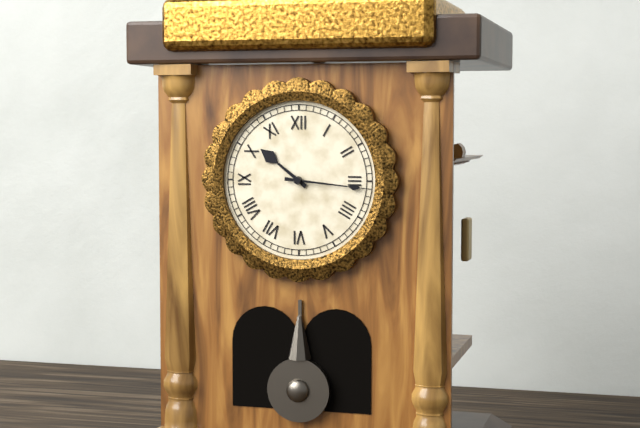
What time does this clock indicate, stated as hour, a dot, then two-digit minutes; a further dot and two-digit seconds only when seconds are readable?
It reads 10.16
